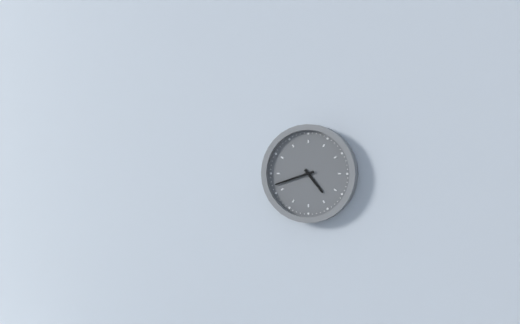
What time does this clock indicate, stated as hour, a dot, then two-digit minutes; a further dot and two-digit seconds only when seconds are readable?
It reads 4.42
